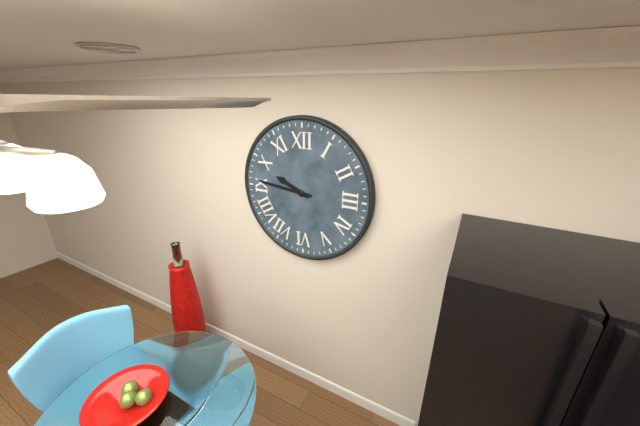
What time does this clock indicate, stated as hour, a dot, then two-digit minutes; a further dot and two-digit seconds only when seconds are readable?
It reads 9.46
